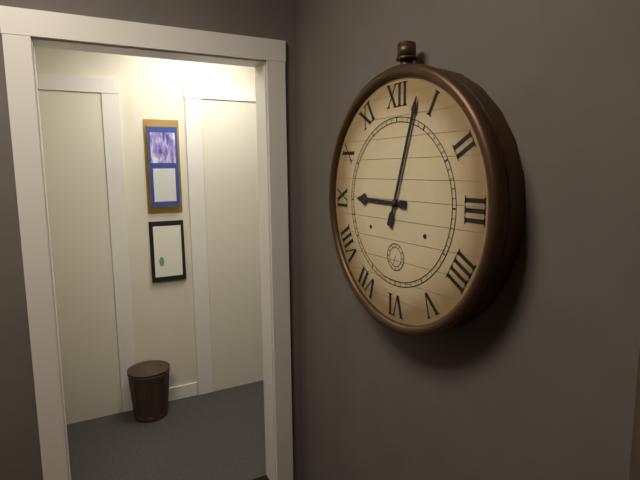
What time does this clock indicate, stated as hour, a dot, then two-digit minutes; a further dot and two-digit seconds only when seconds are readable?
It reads 9.03
